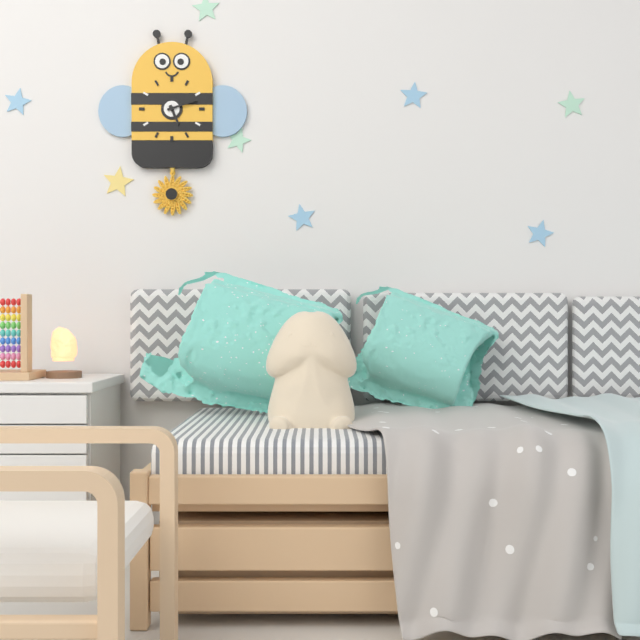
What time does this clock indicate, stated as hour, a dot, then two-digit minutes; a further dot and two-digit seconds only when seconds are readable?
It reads 5.12
